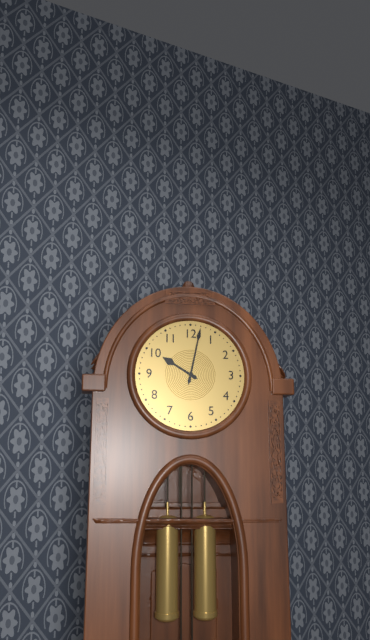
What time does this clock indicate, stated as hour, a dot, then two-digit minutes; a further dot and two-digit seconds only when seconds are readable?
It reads 10.02
